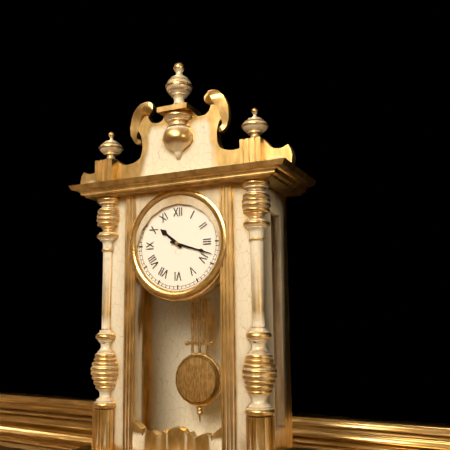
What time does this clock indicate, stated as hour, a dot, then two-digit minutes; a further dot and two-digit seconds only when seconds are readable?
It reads 10.18
